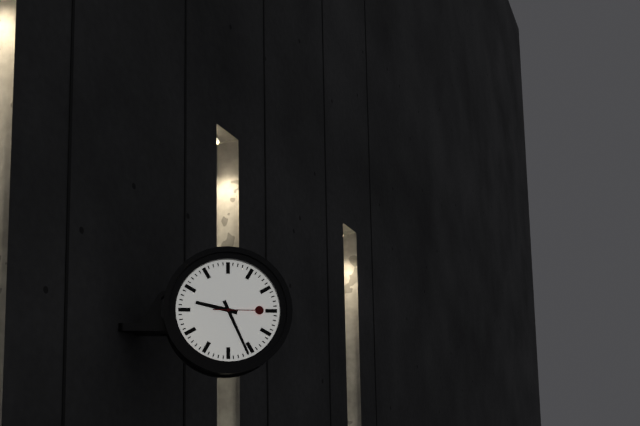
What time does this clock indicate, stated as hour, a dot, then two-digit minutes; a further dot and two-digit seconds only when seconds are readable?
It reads 9.26
